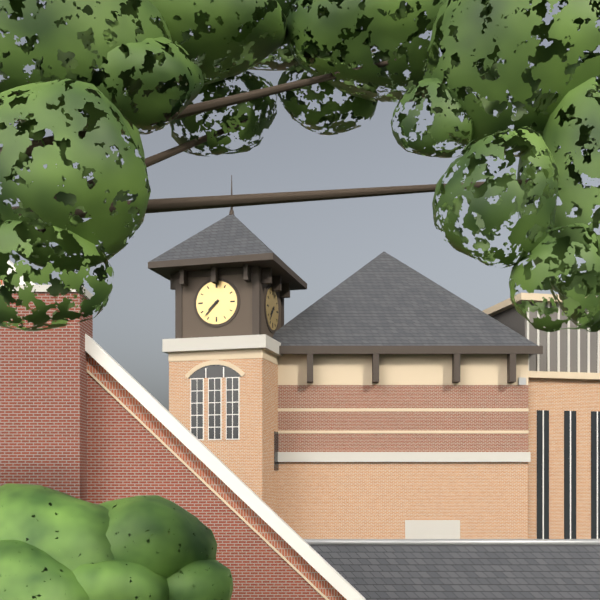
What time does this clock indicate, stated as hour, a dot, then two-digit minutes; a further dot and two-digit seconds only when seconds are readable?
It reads 7.37
